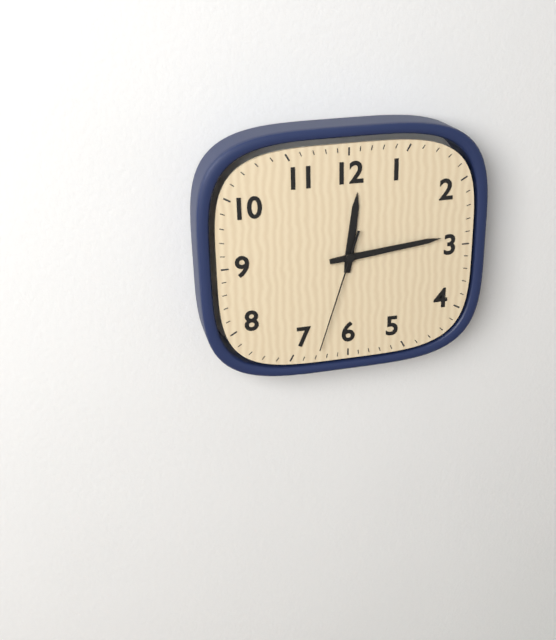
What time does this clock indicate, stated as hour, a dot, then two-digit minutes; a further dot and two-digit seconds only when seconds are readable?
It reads 12.14.33
